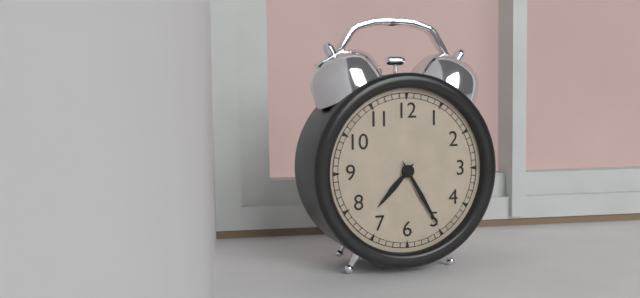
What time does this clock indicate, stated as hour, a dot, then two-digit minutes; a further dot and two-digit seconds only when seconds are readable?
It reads 7.25
